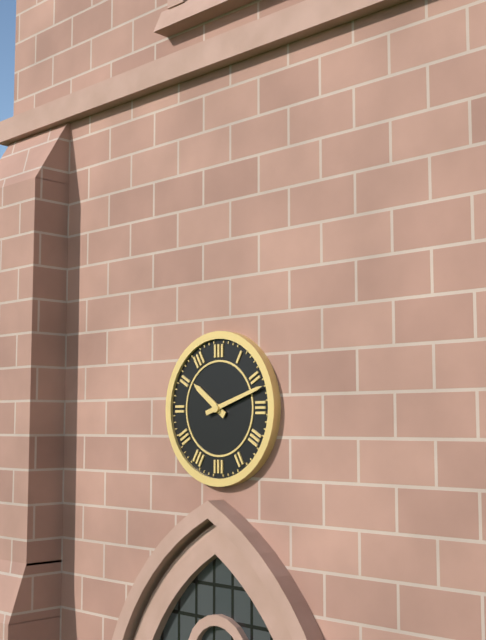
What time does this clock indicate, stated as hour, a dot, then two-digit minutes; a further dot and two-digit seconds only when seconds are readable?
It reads 10.12
